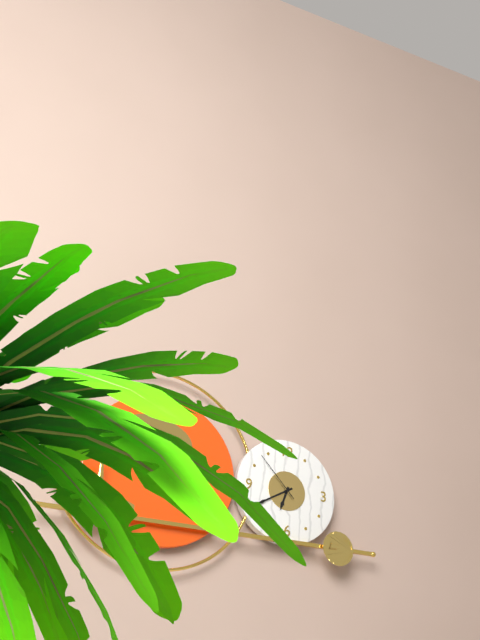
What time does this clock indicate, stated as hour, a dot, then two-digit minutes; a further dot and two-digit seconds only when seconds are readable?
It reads 6.40.53
